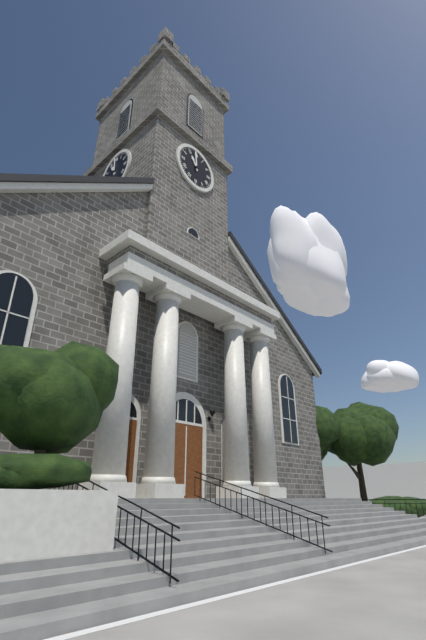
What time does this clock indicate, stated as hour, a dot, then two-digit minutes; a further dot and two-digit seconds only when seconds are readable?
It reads 10.59
